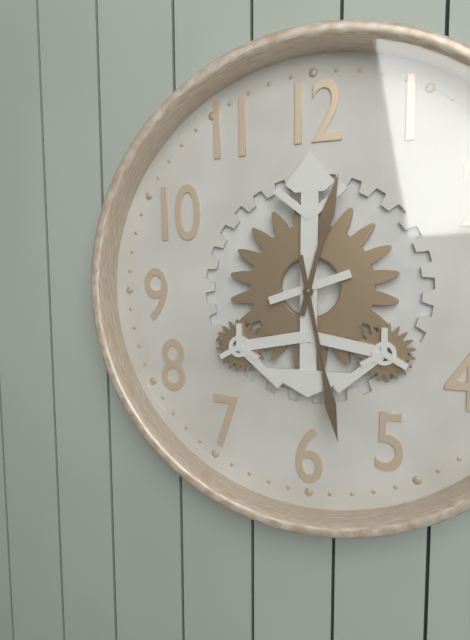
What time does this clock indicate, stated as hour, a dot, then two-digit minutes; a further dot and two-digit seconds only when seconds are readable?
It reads 12.28
